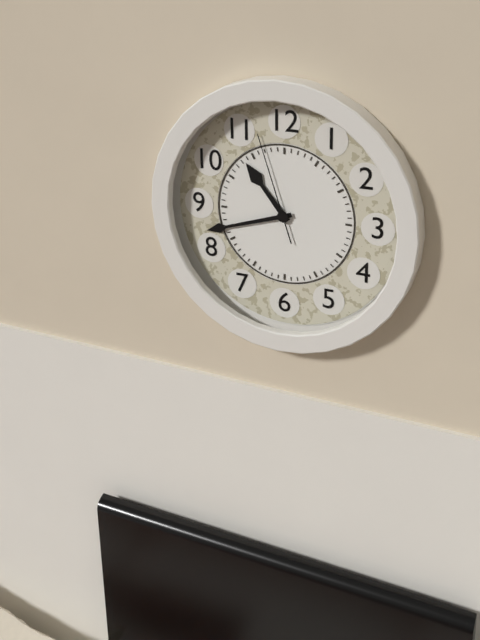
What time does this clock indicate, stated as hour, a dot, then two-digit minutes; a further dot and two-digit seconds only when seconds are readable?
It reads 10.42.57
